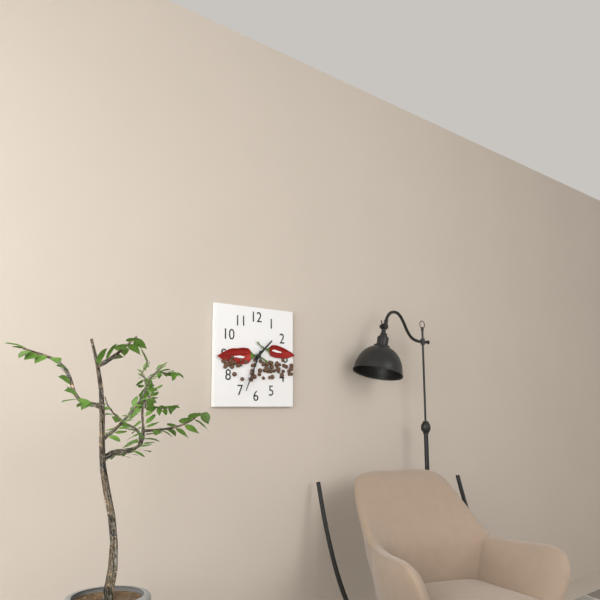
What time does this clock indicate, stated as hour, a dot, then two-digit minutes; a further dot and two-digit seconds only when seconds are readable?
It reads 1.34
